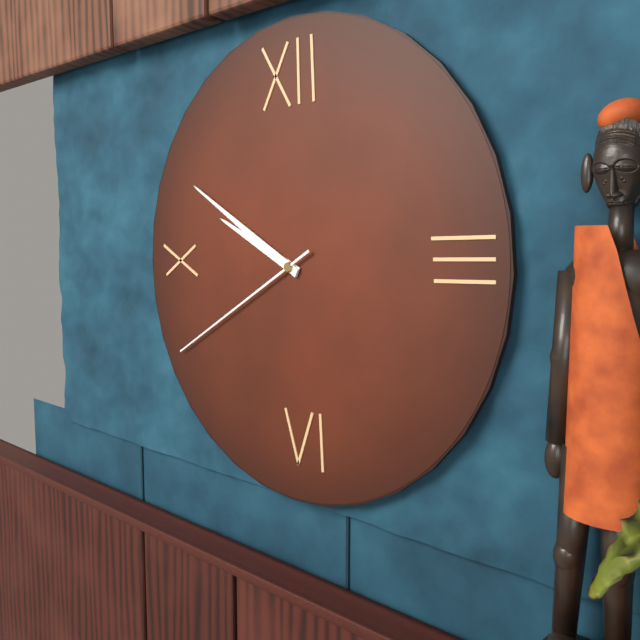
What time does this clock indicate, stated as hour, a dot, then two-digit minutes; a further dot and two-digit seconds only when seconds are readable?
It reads 9.50.40
